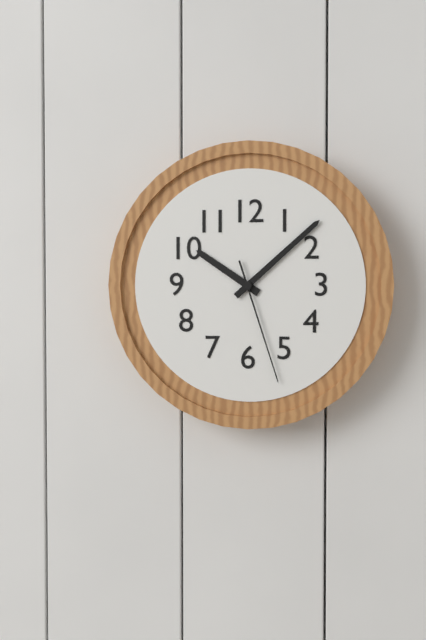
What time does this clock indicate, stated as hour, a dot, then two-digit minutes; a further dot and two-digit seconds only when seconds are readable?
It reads 10.08.27
